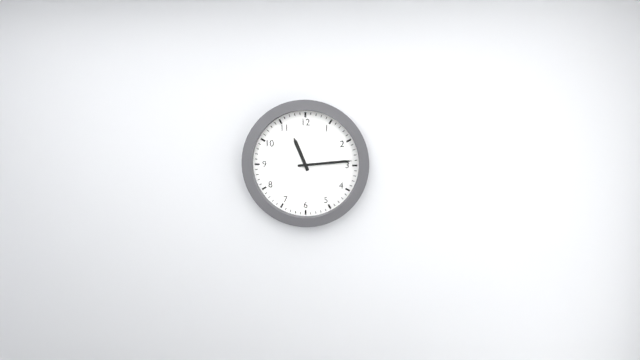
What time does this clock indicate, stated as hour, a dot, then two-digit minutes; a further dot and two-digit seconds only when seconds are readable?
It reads 11.14
